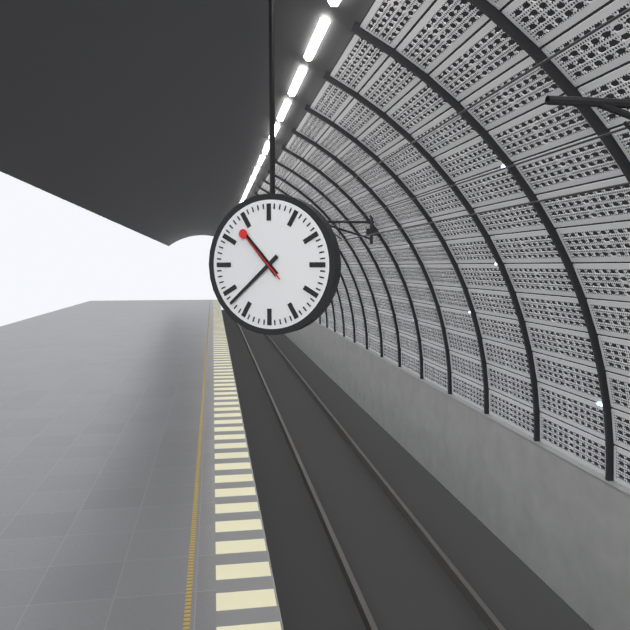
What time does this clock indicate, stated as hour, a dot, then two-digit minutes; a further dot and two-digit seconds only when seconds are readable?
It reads 10.38.53
